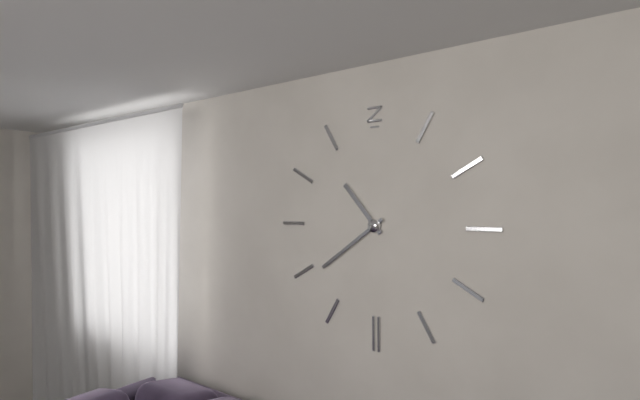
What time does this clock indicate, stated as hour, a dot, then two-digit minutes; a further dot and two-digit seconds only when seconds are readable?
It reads 10.39
